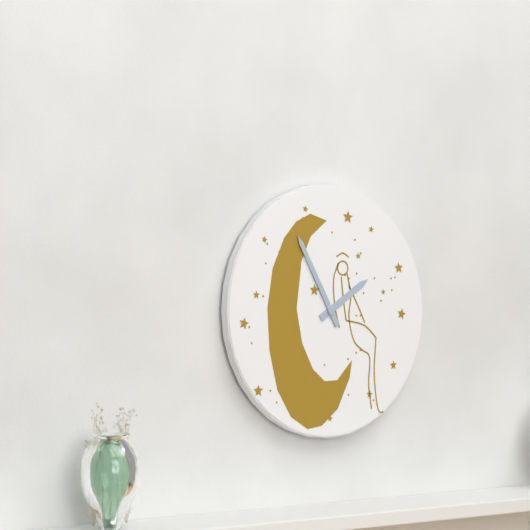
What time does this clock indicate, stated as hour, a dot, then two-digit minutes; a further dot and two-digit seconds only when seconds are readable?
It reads 1.55
